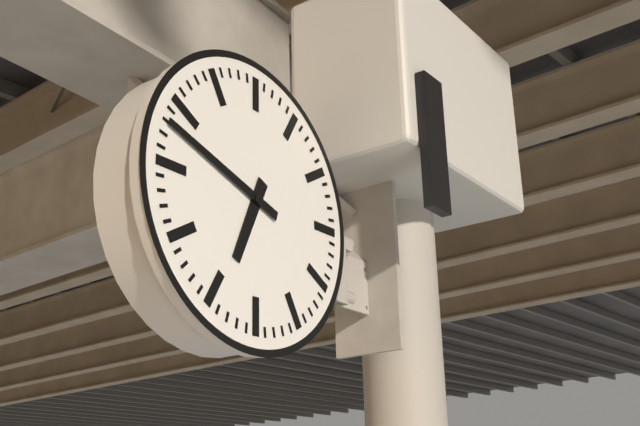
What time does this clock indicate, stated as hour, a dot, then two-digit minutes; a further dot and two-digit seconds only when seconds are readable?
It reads 6.48
